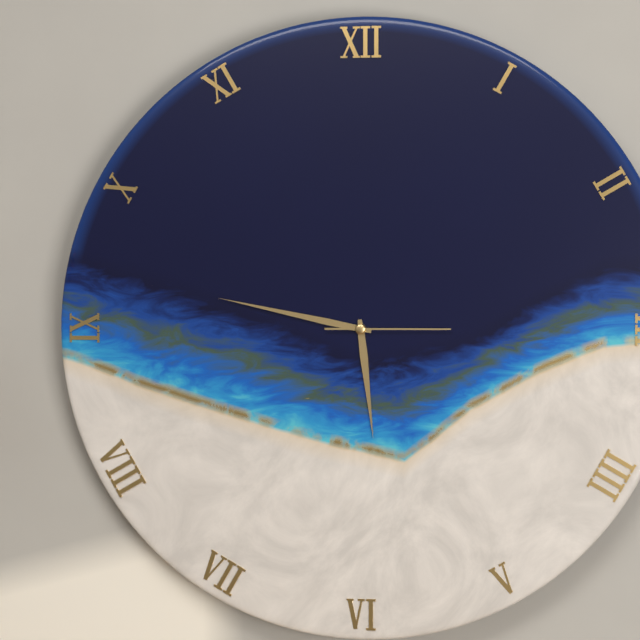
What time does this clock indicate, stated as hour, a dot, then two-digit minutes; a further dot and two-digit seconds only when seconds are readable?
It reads 5.47.15
